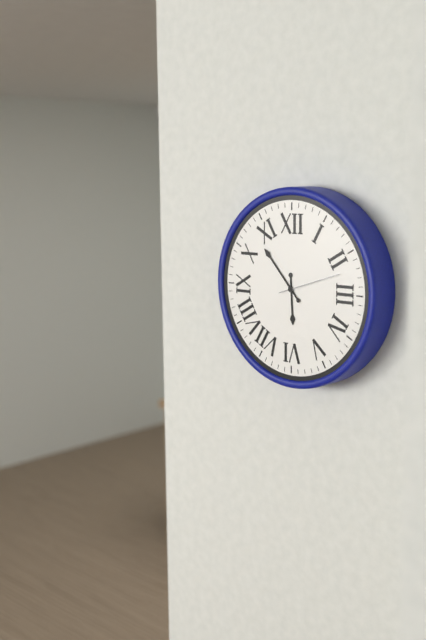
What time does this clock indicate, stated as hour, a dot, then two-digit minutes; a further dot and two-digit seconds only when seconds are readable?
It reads 5.53.12
